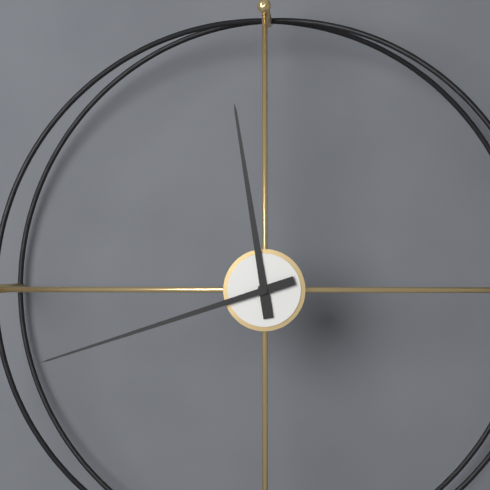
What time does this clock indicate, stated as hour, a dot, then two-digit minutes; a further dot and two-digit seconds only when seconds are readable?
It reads 11.42
